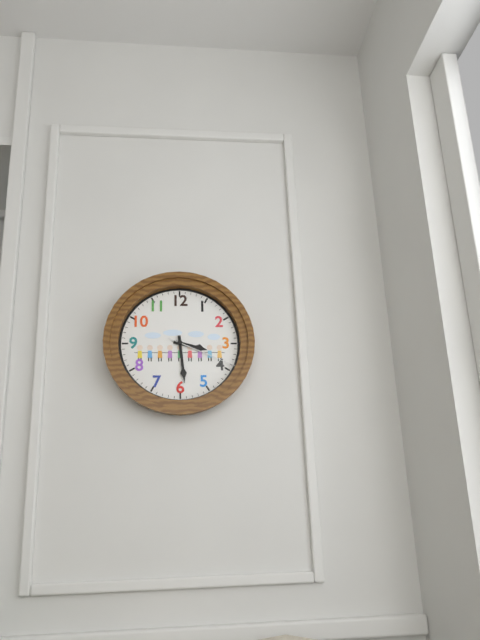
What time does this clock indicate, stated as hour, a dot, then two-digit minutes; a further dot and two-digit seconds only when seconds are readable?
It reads 3.29.19
